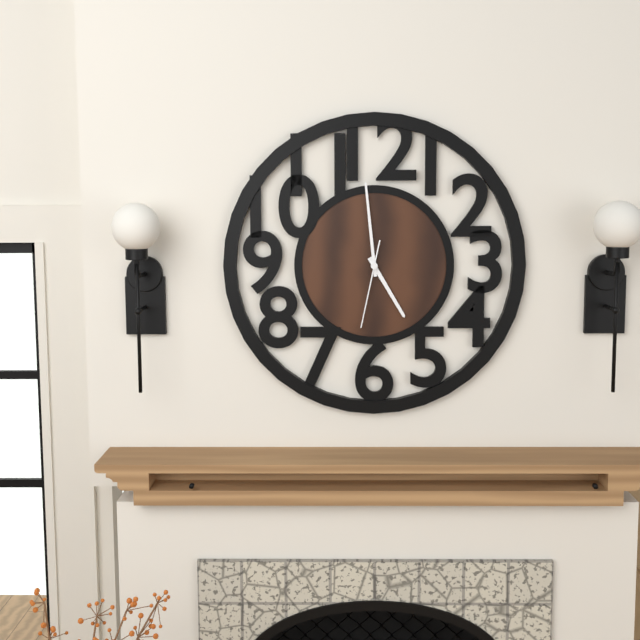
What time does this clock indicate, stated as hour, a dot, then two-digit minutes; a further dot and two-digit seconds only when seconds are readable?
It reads 4.59.32
